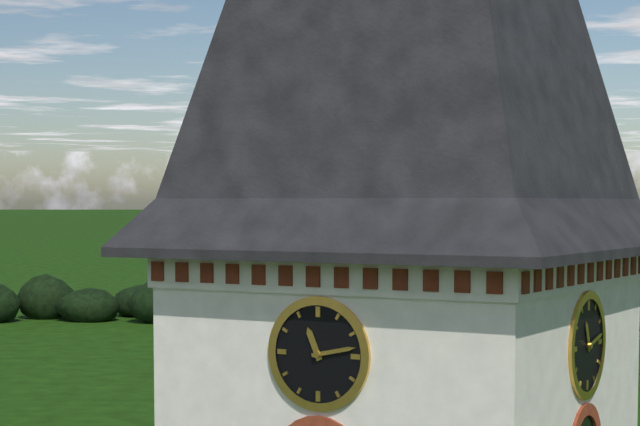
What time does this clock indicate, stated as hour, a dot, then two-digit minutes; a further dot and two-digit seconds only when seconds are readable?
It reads 11.13
